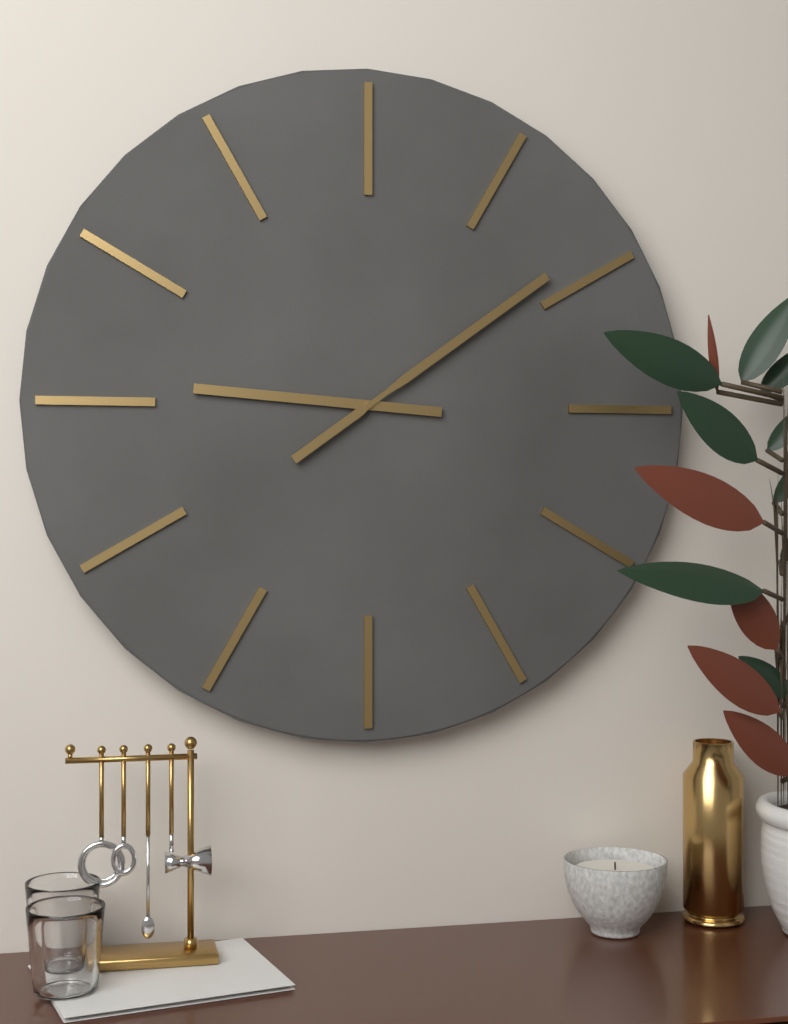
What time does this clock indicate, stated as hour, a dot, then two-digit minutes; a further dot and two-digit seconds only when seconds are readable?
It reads 9.09
